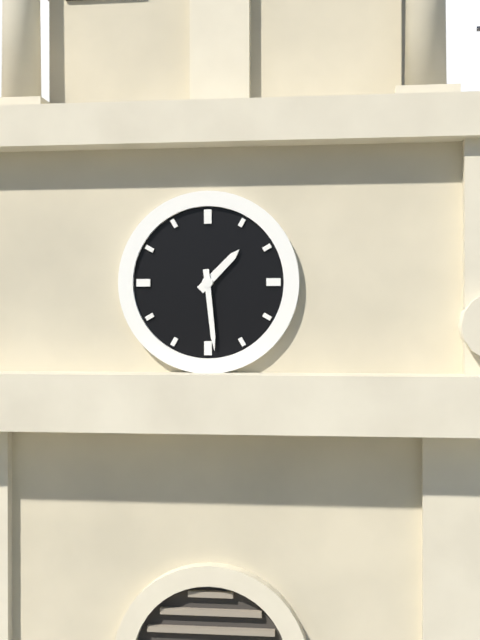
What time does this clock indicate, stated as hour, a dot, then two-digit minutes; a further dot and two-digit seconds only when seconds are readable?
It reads 1.29
